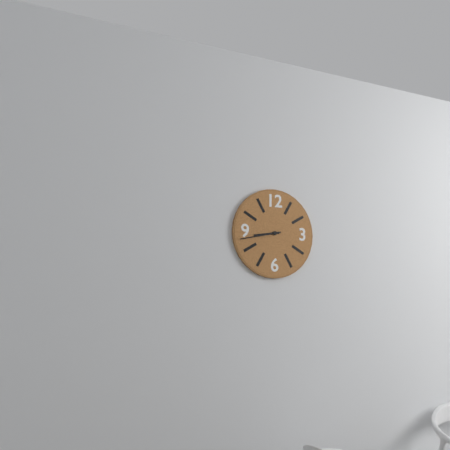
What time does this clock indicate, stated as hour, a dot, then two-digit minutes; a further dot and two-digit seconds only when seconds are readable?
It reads 8.43
